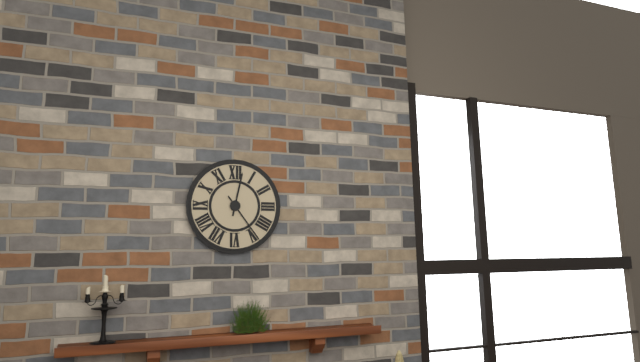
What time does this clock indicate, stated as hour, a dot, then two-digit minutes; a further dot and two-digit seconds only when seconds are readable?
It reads 12.24
